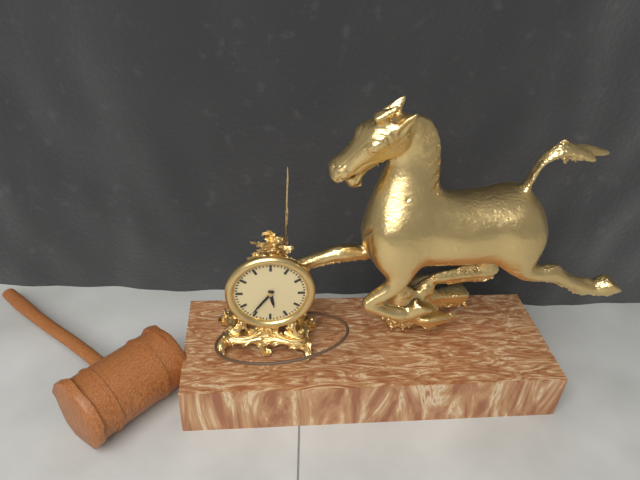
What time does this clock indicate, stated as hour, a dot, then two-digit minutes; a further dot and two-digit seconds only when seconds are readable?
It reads 5.36
